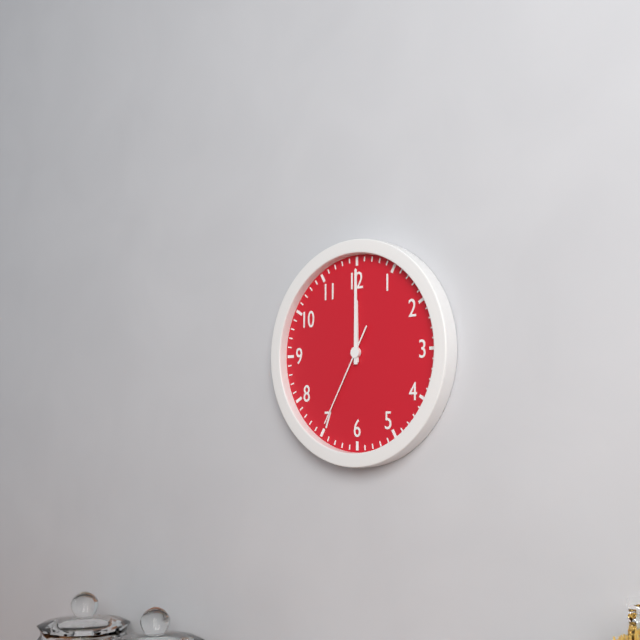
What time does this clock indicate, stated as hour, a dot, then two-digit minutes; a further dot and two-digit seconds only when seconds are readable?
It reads 12.00.35
